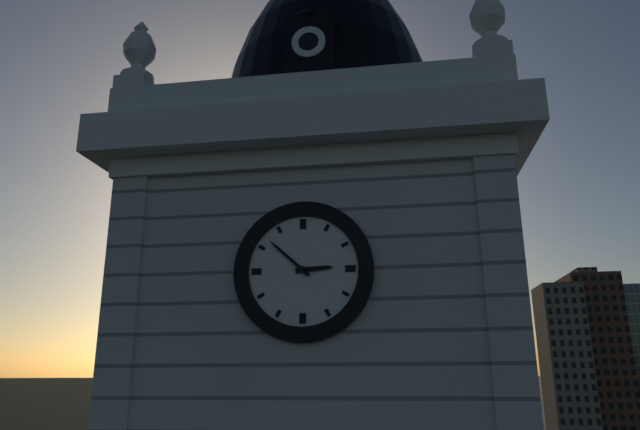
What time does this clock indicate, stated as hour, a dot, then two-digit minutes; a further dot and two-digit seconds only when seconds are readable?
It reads 2.52
